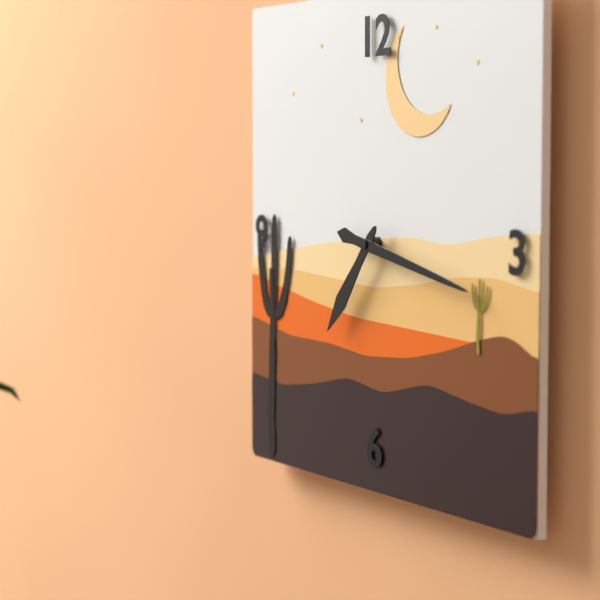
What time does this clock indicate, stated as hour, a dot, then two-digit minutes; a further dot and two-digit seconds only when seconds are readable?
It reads 7.17
